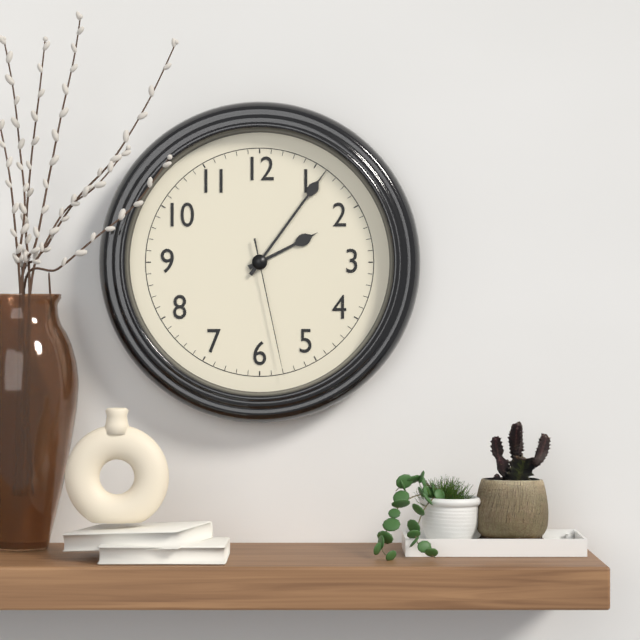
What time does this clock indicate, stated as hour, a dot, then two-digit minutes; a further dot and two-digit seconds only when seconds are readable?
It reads 2.06.28
